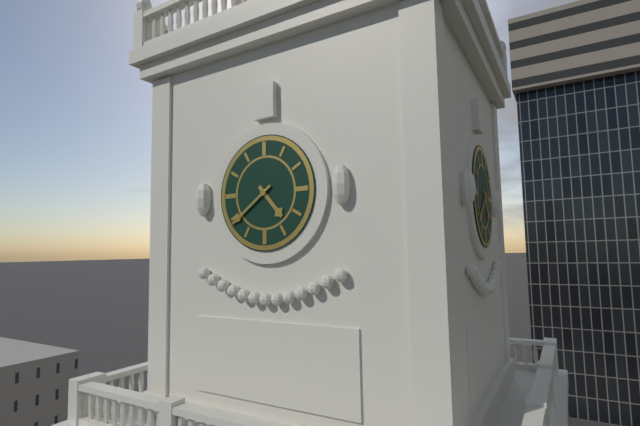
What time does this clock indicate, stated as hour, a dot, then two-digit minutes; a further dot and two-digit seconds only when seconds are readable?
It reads 4.39
